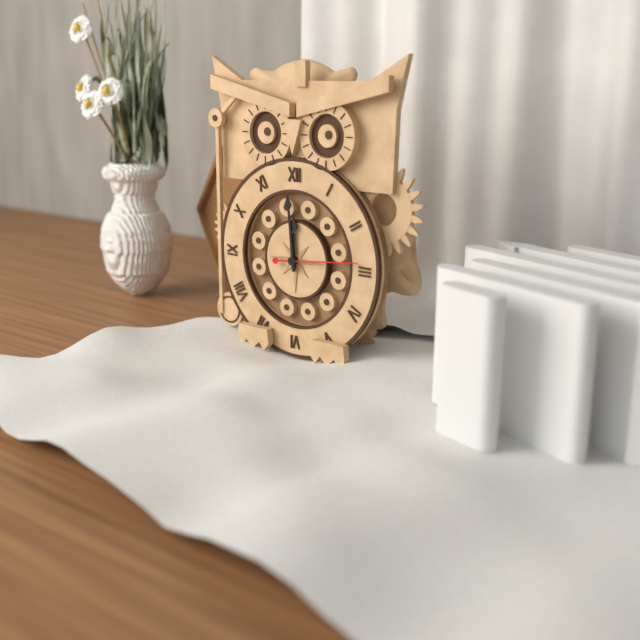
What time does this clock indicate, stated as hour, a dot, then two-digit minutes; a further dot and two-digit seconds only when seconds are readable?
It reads 11.59.14
